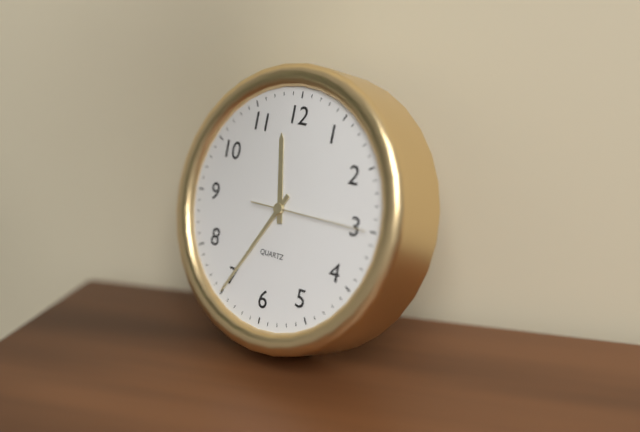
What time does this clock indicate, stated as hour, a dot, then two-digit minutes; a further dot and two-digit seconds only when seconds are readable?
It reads 11.35.15
